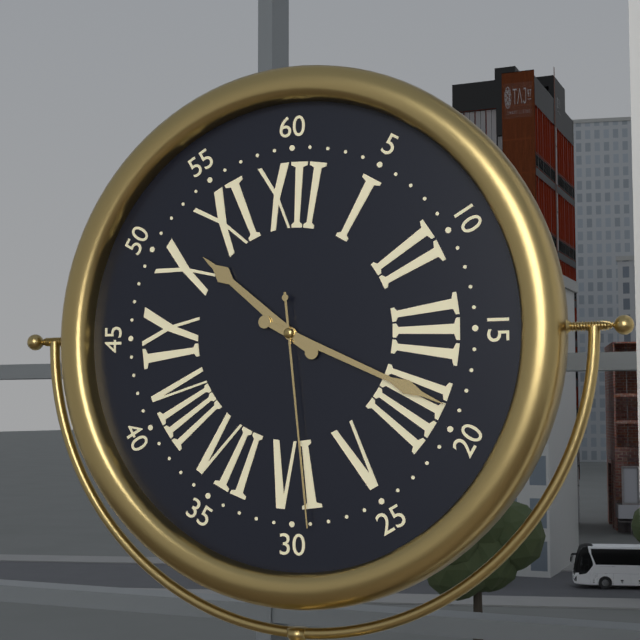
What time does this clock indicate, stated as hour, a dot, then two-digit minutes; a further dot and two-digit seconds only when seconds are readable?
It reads 10.19.29
